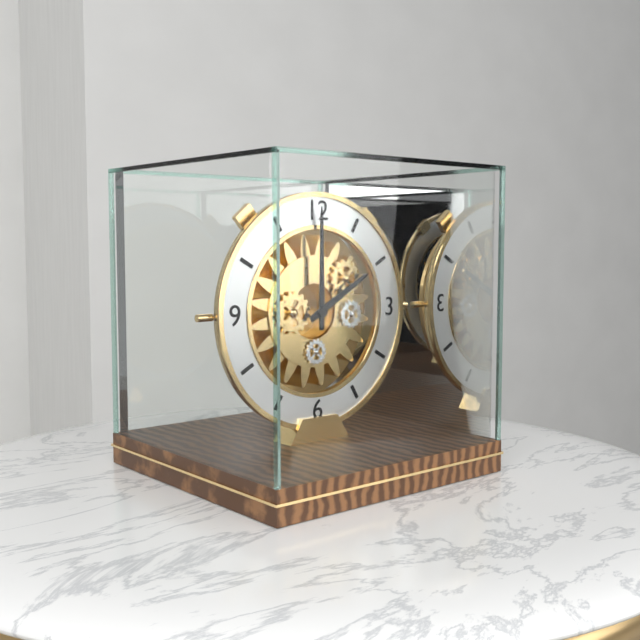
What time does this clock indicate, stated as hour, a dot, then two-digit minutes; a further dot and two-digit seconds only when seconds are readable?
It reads 2.00
